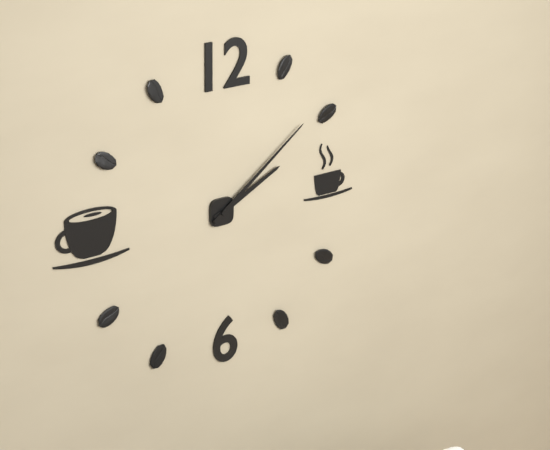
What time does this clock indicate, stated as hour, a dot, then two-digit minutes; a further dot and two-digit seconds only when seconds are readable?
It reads 2.09
